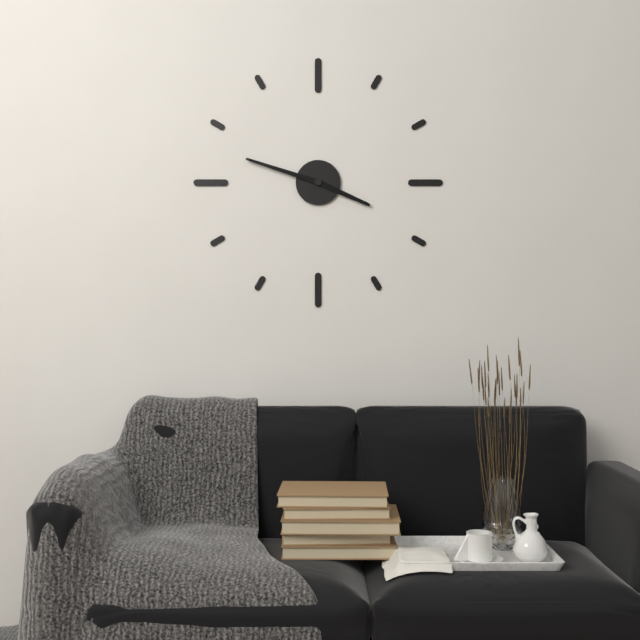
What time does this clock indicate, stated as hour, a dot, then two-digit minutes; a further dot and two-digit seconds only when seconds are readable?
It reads 3.48
